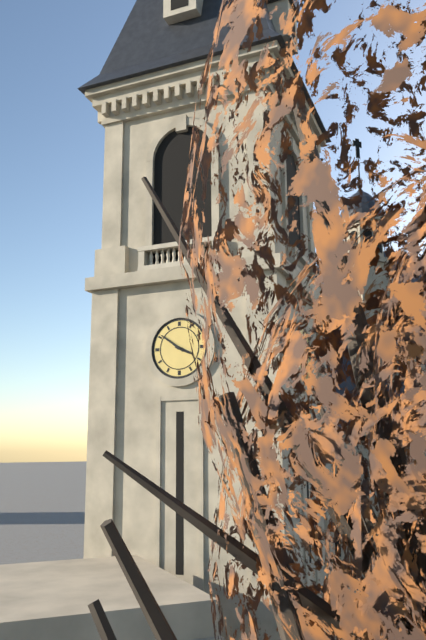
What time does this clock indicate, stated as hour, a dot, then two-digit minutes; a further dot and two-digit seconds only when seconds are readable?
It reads 3.51
